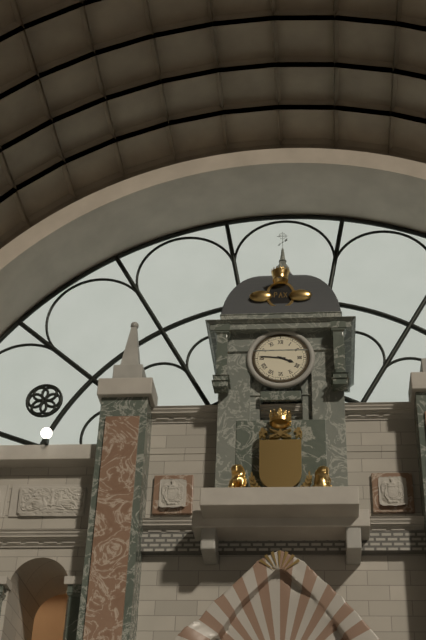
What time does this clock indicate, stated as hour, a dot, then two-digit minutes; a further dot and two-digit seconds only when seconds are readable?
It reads 3.46
